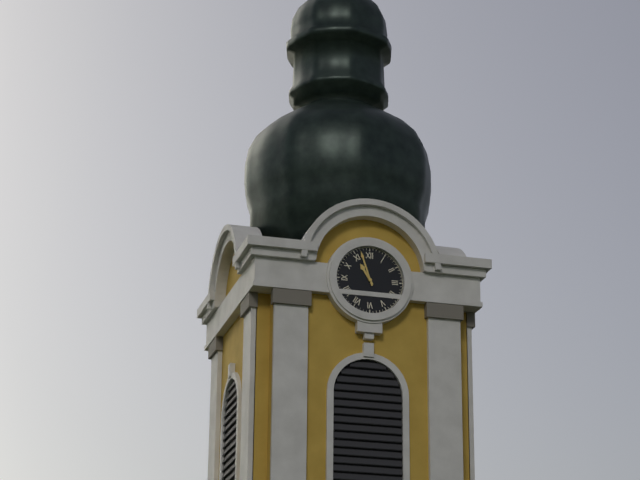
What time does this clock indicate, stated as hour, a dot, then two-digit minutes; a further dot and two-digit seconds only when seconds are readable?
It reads 10.57
